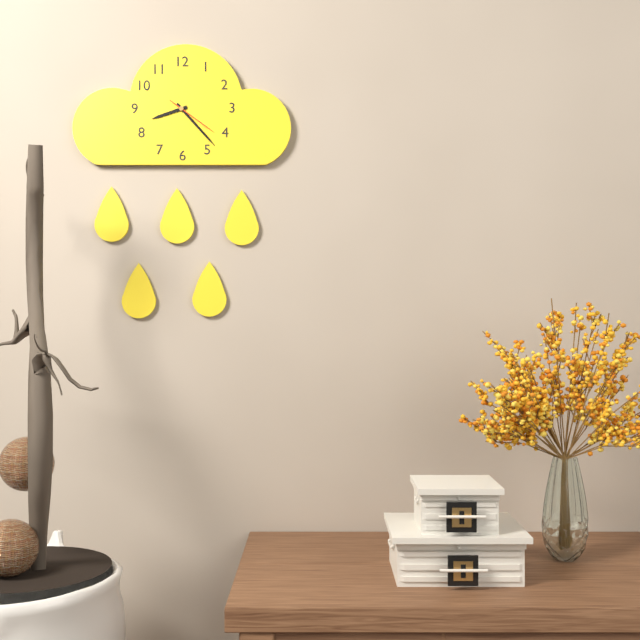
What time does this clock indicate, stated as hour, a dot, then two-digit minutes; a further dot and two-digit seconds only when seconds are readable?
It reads 8.23.21
